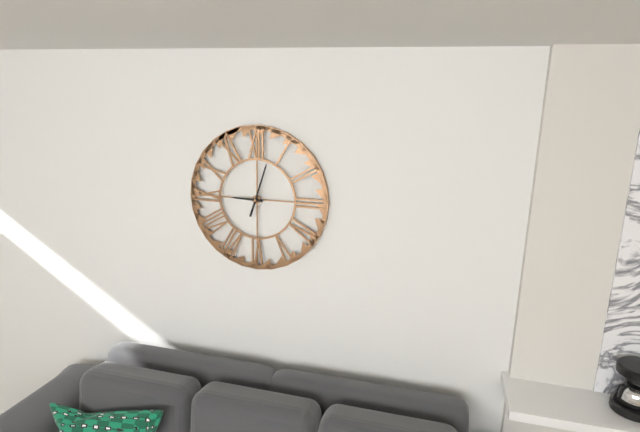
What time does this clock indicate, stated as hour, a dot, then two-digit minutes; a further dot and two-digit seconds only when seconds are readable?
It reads 9.03
